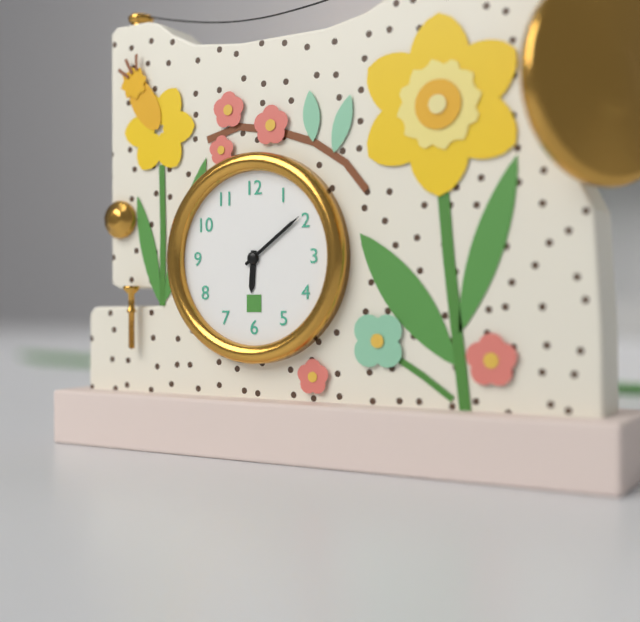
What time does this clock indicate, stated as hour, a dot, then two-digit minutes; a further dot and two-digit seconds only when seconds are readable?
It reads 6.09
